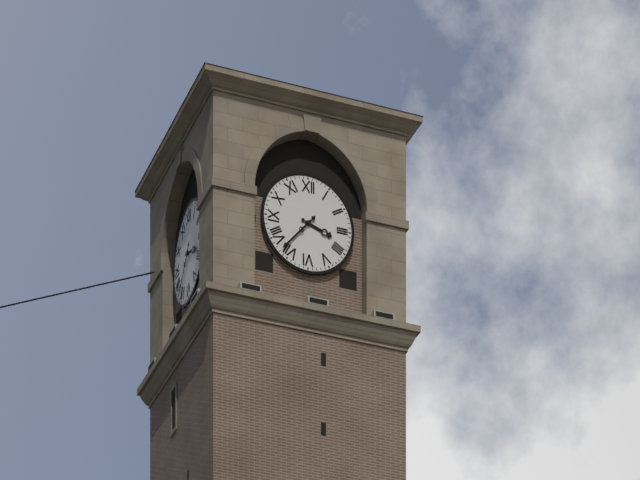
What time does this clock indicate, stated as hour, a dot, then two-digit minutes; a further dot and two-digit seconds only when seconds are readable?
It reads 3.37
